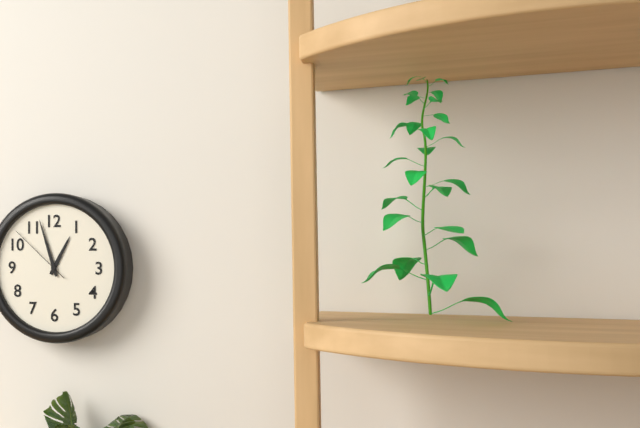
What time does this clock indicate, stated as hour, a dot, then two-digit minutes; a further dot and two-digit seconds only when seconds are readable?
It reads 12.57.52
